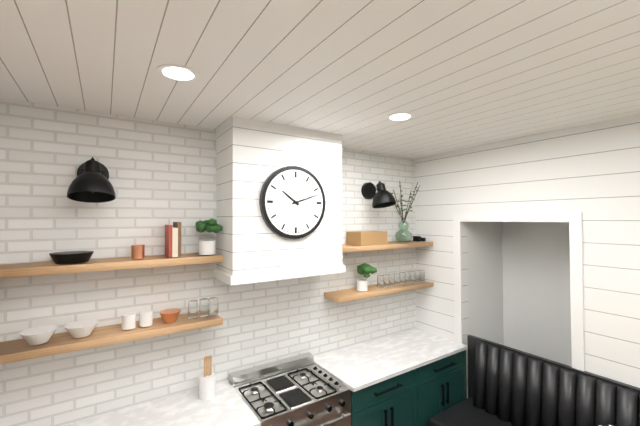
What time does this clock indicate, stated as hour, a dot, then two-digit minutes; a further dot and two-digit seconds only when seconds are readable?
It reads 10.12
